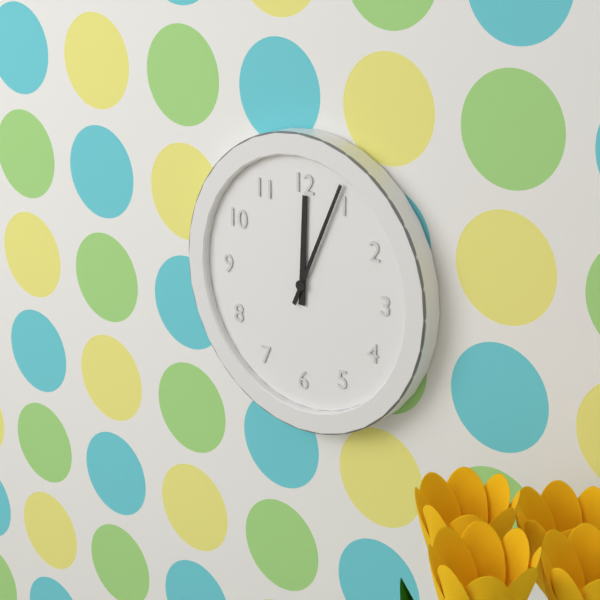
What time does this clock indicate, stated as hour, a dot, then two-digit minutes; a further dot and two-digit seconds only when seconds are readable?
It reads 12.04
